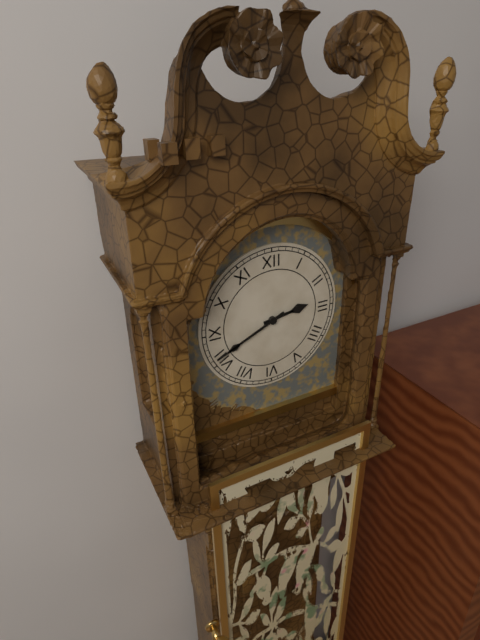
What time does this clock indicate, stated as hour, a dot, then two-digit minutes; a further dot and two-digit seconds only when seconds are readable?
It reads 2.41
